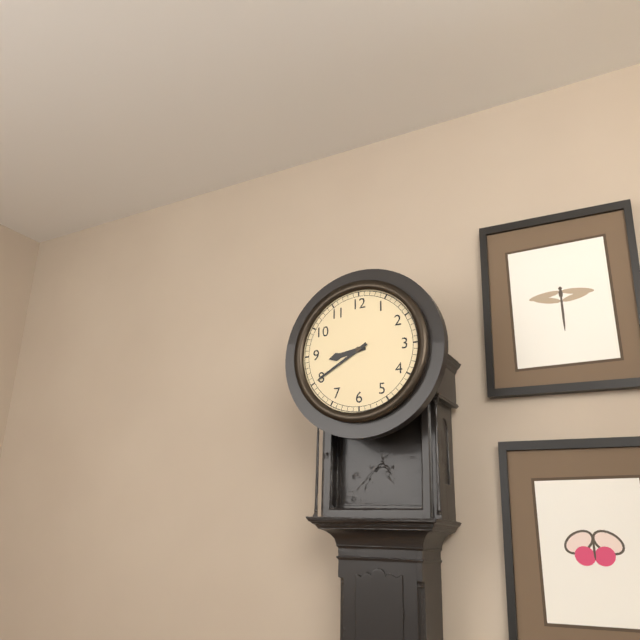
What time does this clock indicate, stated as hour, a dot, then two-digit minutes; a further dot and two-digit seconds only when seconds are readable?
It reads 8.40
